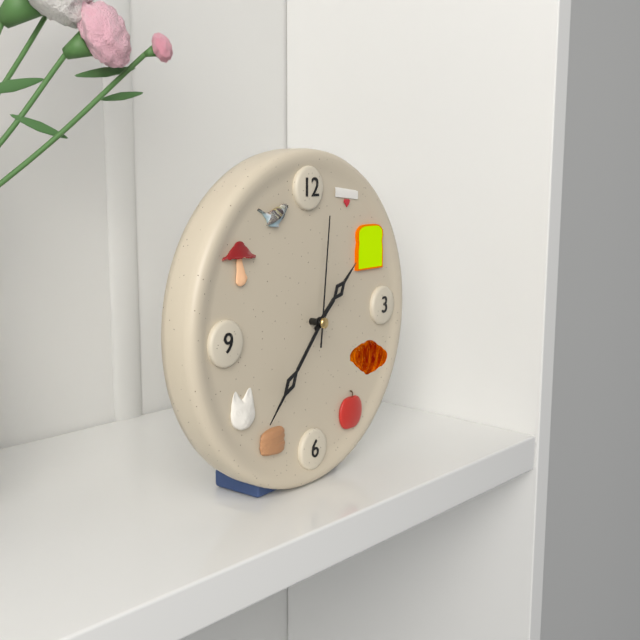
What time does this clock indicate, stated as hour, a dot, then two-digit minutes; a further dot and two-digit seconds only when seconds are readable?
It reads 1.37.01
